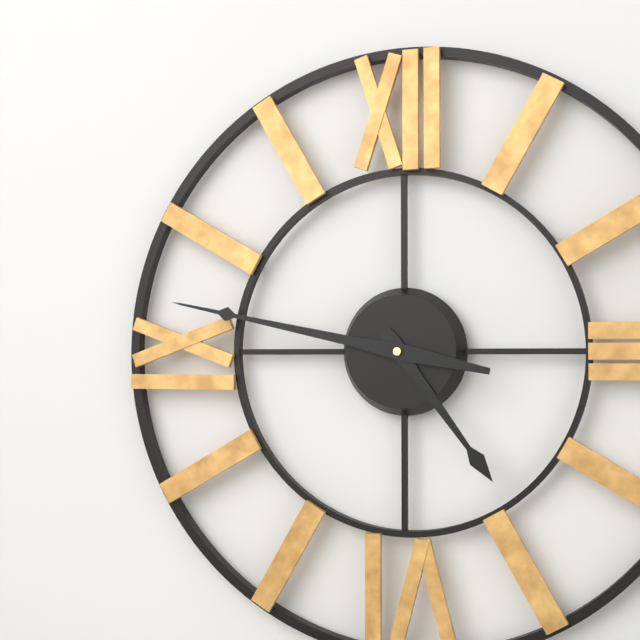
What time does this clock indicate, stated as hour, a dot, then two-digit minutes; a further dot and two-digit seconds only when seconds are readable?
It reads 4.47
